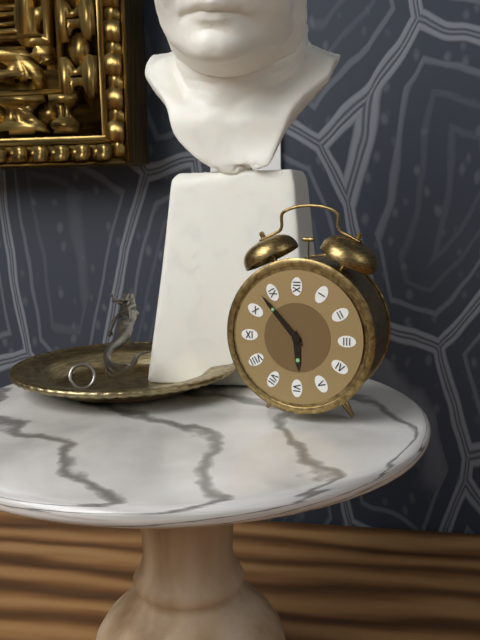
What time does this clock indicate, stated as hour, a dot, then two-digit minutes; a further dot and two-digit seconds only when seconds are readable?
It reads 5.53
